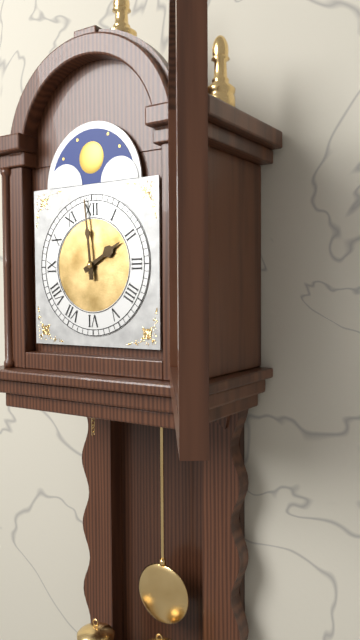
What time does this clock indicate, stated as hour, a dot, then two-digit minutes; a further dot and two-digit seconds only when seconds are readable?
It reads 1.59
